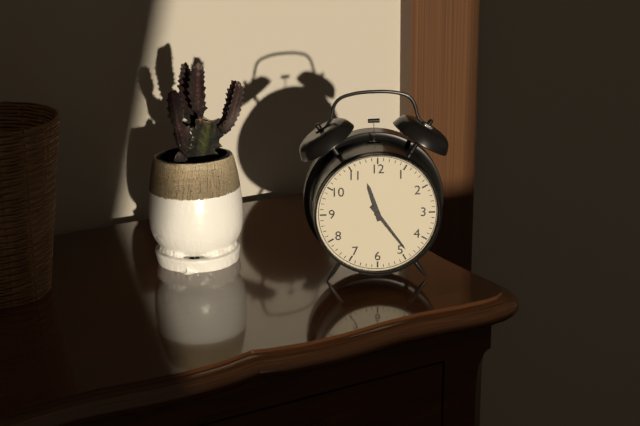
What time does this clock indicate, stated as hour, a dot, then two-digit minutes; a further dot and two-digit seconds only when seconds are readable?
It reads 11.24
